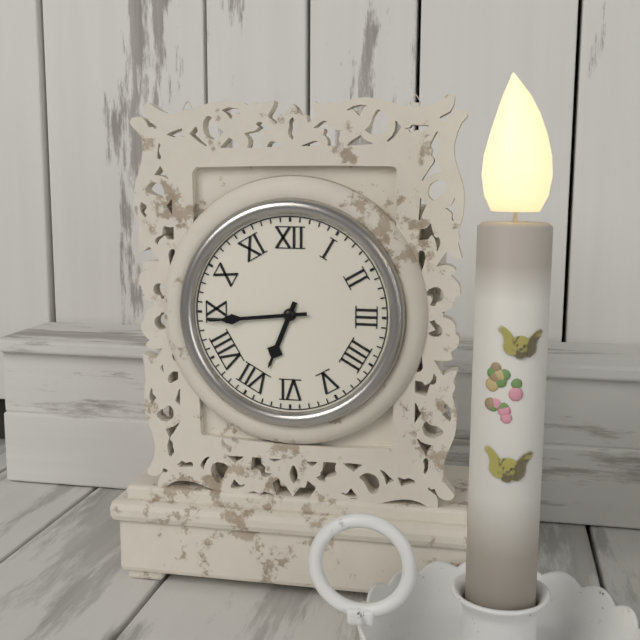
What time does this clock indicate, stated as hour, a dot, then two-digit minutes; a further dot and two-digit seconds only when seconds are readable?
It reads 6.44
